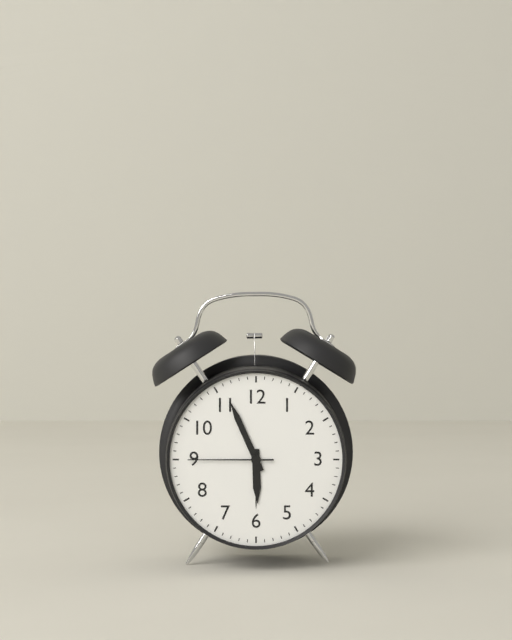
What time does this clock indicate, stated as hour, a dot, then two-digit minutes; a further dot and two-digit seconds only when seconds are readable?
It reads 5.56.45
